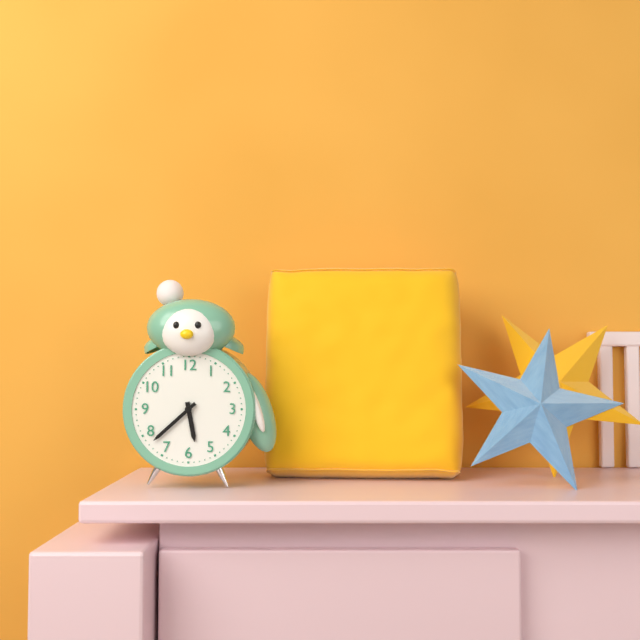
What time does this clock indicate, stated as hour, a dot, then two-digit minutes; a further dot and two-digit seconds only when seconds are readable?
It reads 5.38
